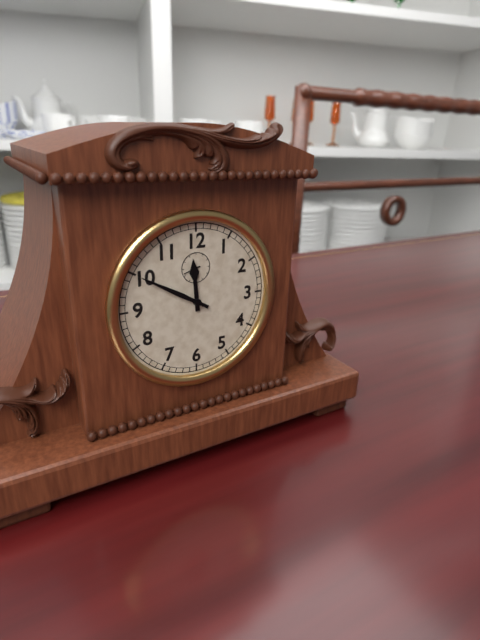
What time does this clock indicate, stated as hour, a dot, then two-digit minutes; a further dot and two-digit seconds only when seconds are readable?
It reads 11.50
